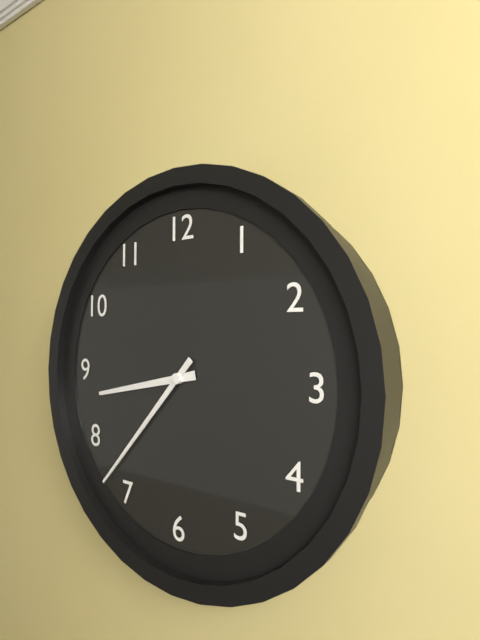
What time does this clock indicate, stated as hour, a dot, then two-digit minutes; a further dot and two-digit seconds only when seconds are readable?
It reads 8.37
